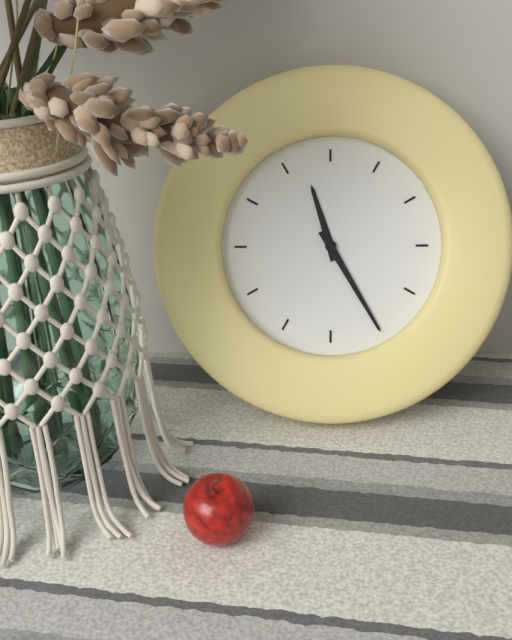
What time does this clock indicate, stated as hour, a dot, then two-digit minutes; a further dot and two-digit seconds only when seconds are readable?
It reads 11.25
